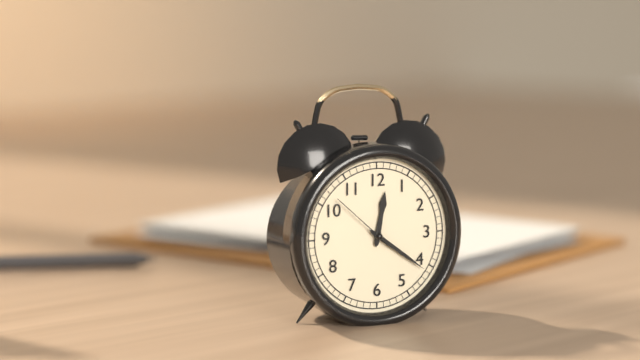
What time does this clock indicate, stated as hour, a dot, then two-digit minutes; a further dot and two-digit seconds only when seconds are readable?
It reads 12.21.52
